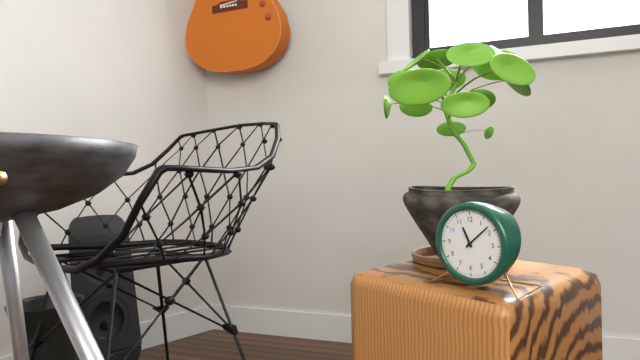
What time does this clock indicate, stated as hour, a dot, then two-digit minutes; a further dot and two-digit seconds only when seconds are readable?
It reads 11.08
